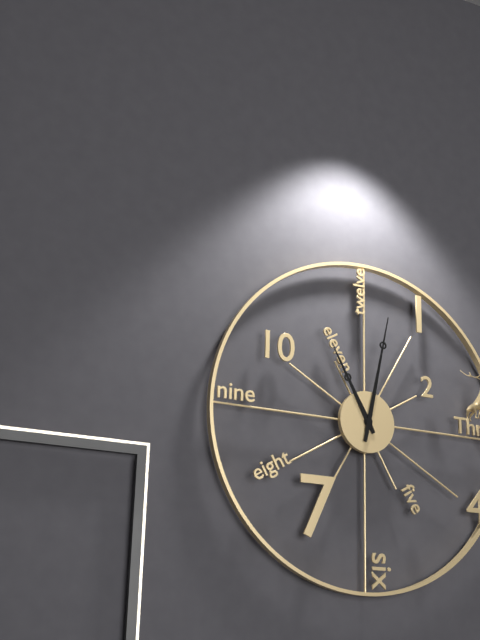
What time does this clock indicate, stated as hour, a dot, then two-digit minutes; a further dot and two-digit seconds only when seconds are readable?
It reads 11.02
